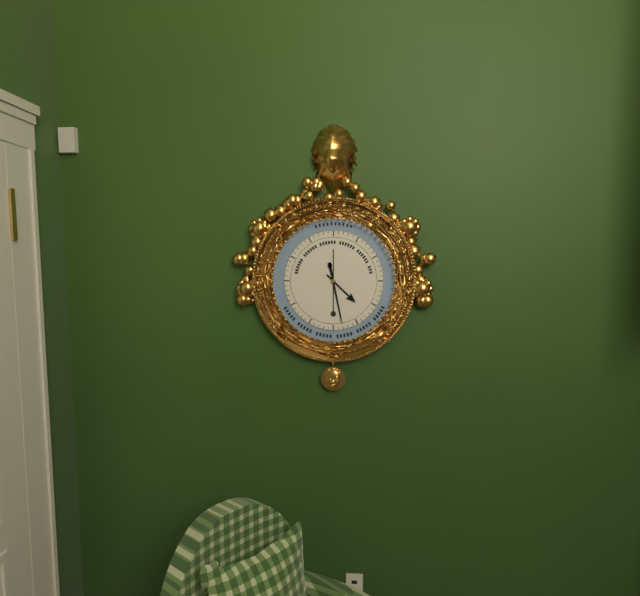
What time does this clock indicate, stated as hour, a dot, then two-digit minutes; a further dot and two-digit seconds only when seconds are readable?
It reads 4.28
